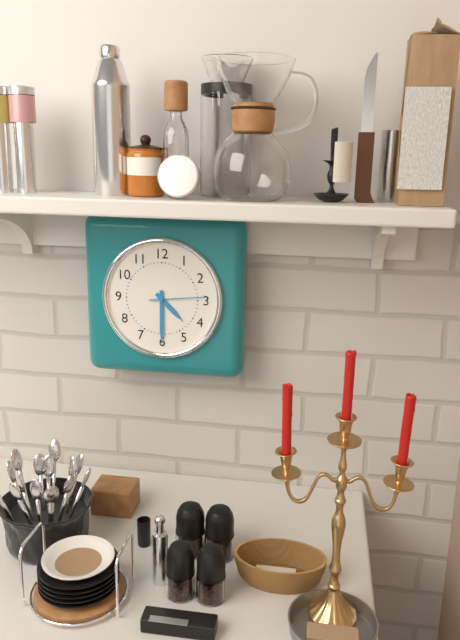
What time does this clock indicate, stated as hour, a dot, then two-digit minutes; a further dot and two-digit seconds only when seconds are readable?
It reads 4.30
